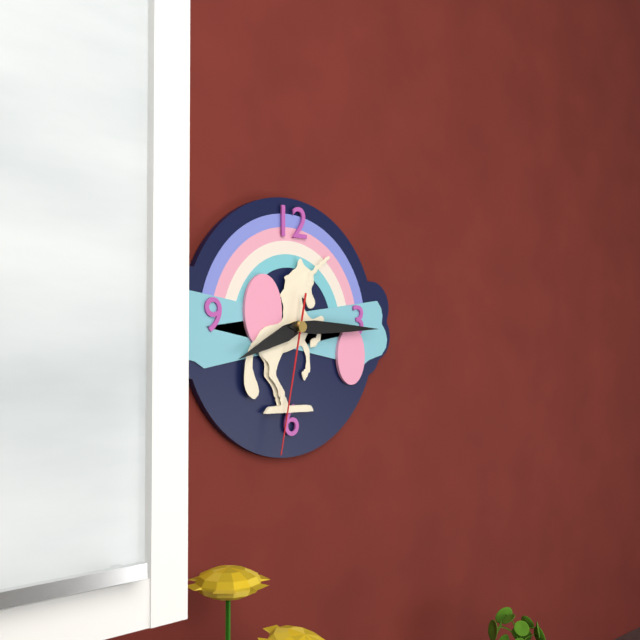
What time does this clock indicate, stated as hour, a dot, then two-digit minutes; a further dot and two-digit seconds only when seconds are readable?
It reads 8.15.32
